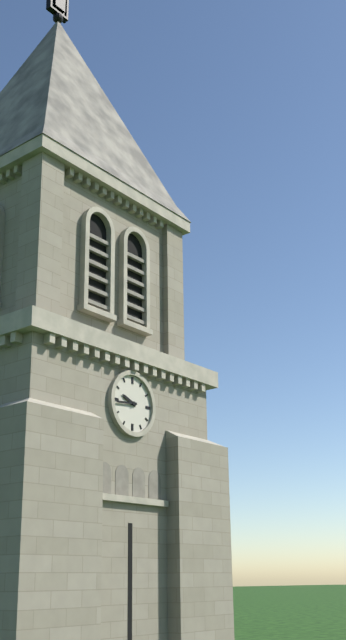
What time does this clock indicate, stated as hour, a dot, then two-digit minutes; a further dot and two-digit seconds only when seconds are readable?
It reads 9.44
